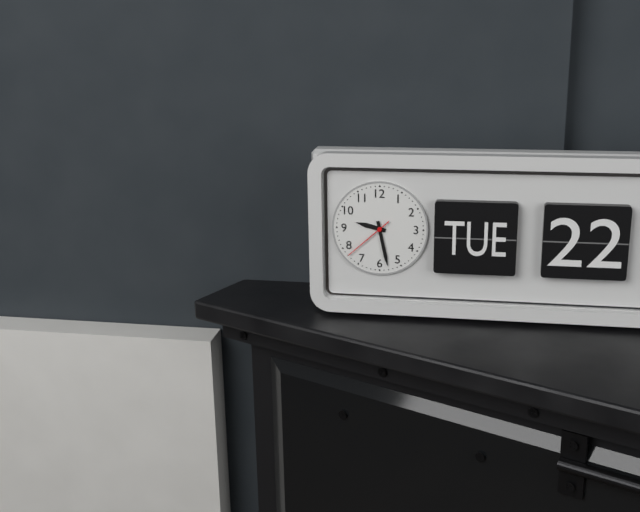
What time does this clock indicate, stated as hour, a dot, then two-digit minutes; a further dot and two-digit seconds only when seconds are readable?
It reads 9.28.38
